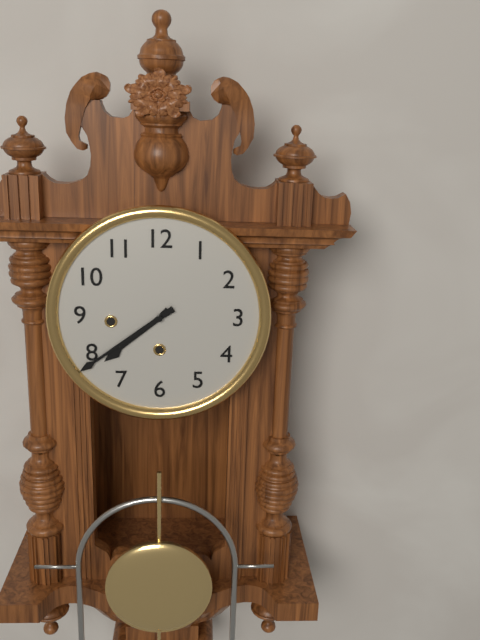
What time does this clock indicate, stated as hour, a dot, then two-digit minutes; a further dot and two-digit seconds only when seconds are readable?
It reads 7.39
